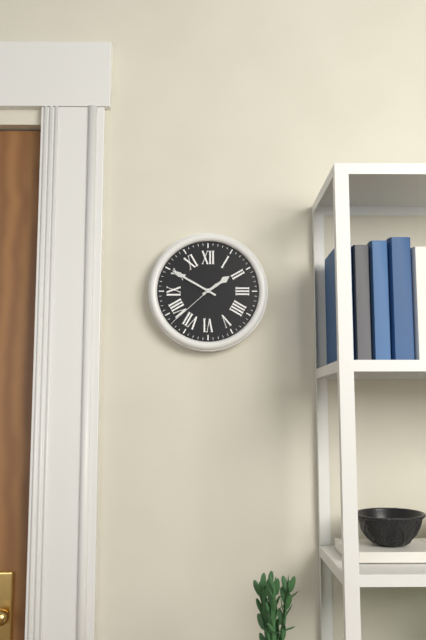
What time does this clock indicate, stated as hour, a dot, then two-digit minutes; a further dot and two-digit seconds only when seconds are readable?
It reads 1.50.38
